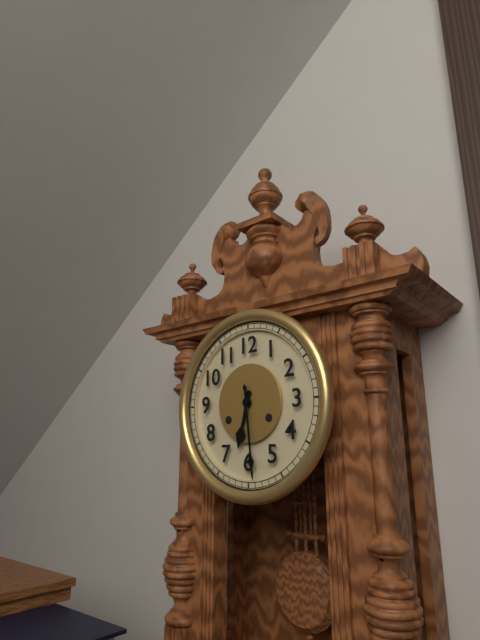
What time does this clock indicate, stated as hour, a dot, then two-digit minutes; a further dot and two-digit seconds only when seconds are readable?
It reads 6.29
